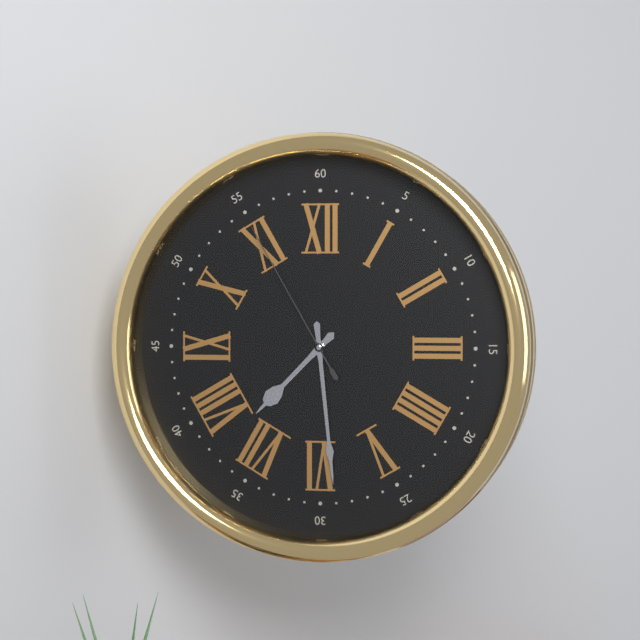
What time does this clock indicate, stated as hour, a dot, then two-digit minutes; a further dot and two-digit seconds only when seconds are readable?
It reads 7.29.55
